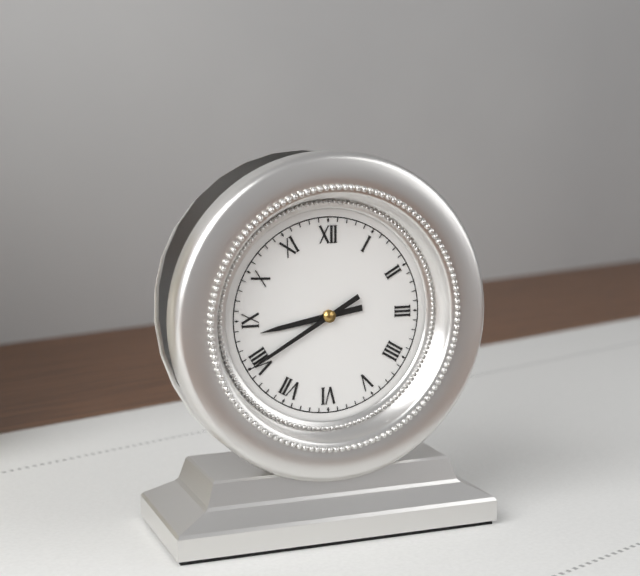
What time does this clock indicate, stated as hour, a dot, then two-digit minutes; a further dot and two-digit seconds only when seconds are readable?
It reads 8.40
